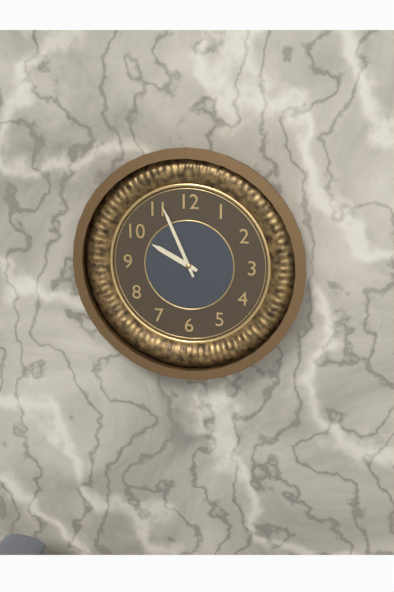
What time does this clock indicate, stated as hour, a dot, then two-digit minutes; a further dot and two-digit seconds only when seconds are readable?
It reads 9.56
